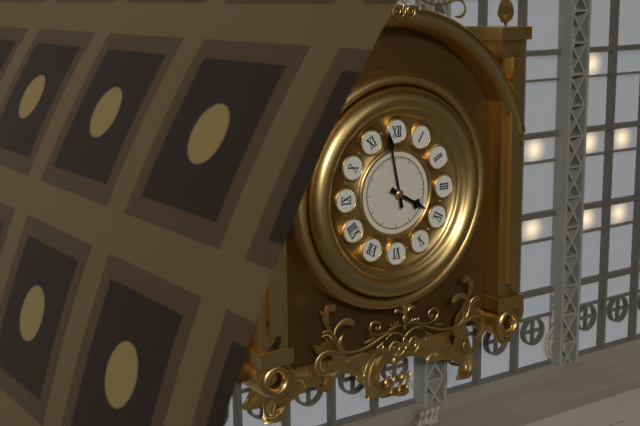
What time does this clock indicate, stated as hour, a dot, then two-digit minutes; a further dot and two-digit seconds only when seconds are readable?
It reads 3.58
